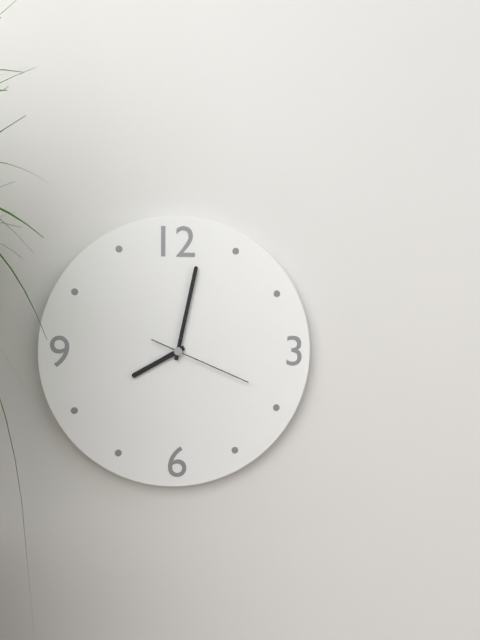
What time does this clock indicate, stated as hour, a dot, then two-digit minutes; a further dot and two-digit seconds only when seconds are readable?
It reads 8.02.19
